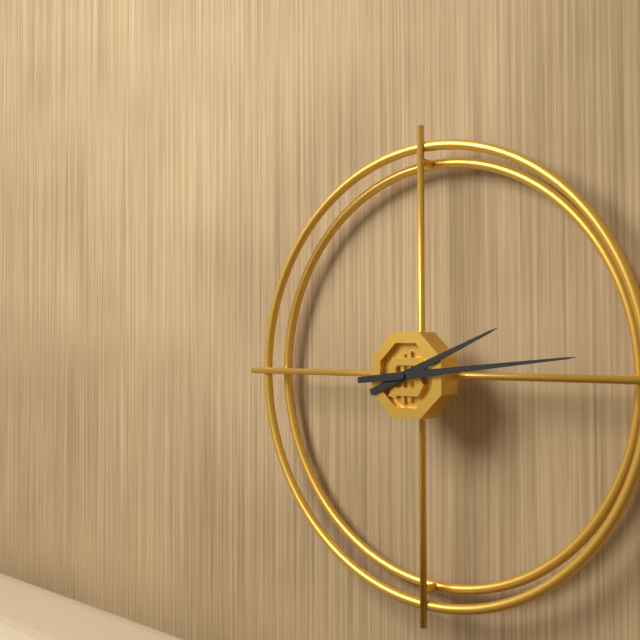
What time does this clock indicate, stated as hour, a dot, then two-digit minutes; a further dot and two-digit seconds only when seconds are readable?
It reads 2.14
